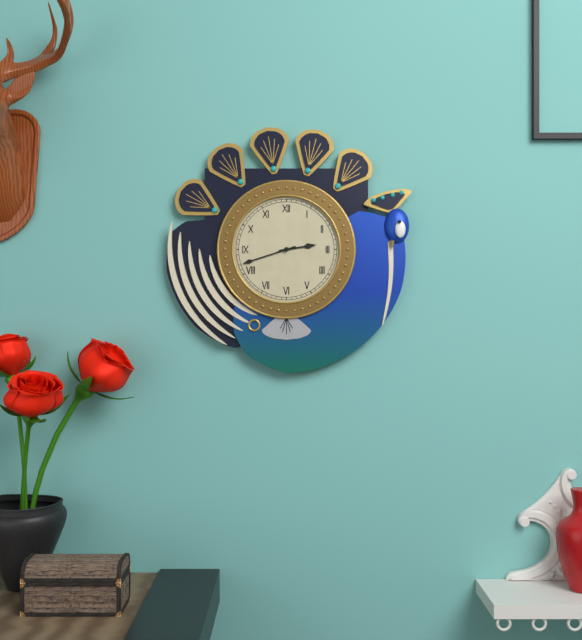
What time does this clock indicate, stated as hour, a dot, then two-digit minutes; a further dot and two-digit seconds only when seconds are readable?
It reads 2.42
